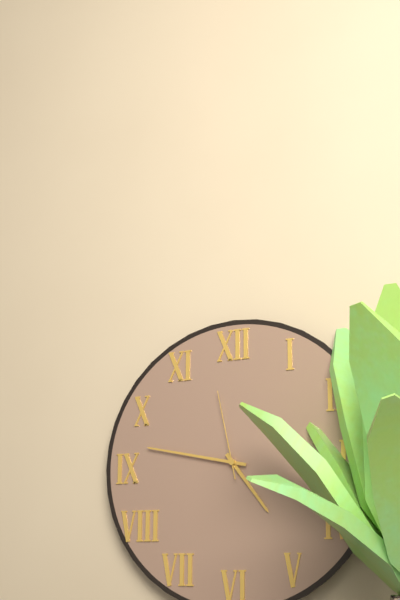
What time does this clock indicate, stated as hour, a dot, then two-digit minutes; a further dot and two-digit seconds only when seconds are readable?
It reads 4.47.58
